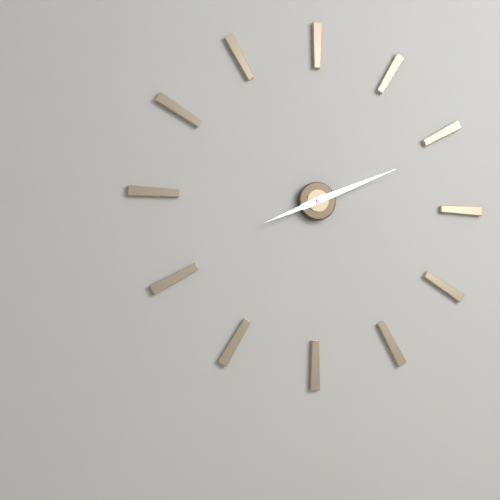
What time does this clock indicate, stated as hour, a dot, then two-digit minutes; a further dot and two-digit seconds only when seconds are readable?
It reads 8.11
